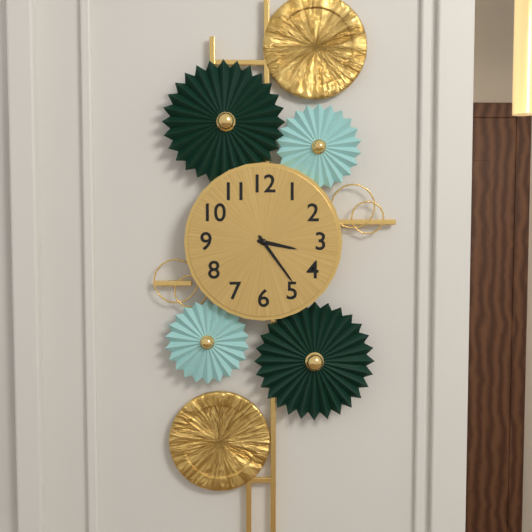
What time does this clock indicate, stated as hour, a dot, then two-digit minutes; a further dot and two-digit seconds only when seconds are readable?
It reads 3.24
